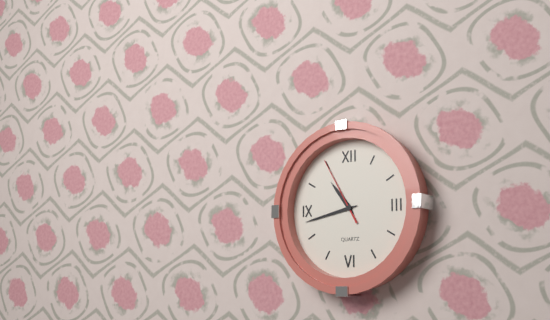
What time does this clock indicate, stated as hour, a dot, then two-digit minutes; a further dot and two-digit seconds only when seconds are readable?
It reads 10.43.55
